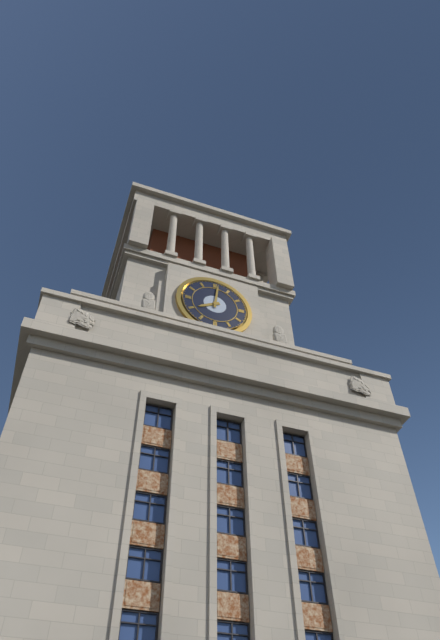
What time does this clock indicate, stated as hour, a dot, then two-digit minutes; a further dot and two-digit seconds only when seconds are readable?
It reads 8.01
